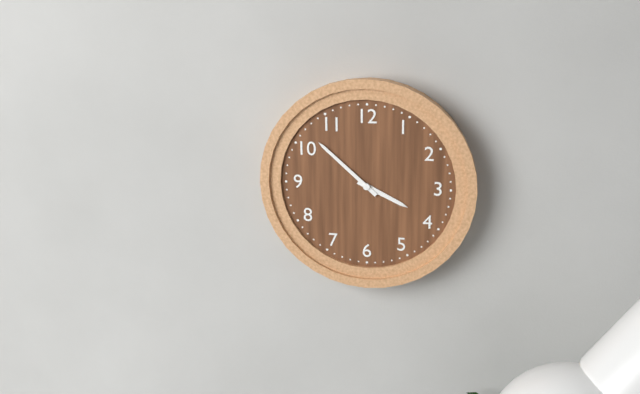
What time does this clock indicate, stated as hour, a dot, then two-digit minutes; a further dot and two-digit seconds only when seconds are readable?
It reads 3.52
